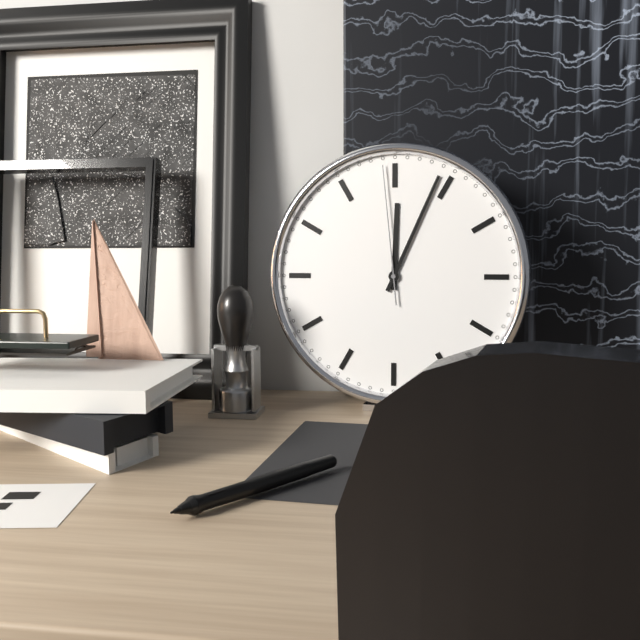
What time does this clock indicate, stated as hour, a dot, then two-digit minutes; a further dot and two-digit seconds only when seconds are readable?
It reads 12.04.59
